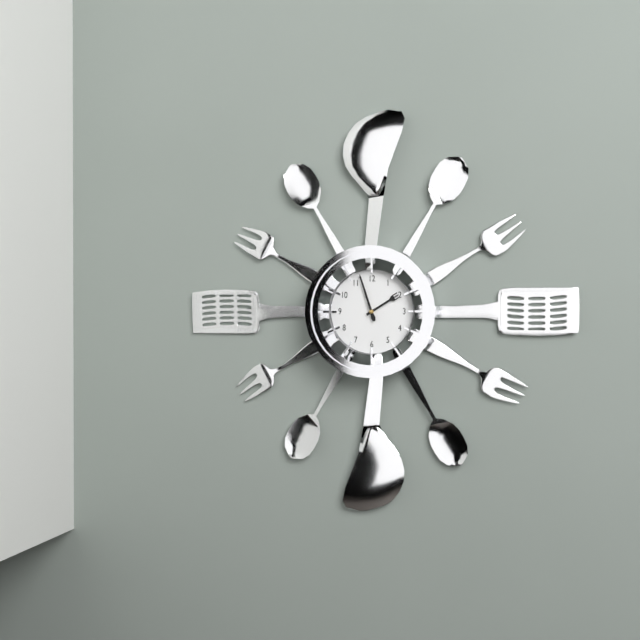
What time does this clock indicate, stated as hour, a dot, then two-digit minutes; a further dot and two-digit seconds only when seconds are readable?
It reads 1.57
